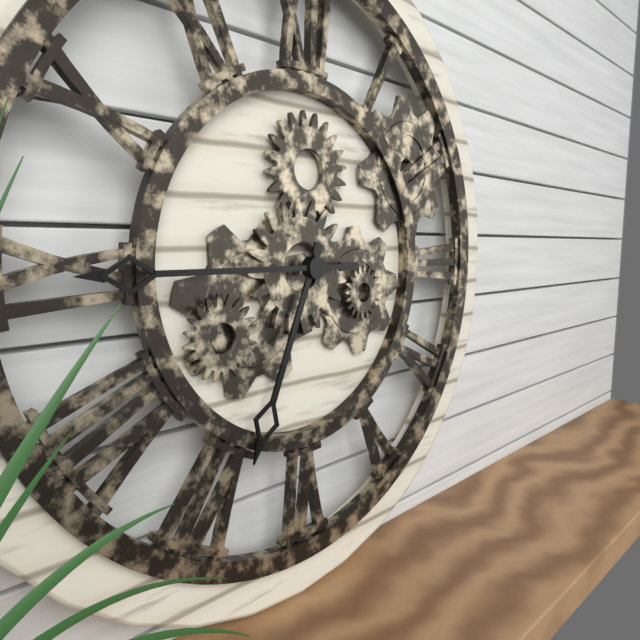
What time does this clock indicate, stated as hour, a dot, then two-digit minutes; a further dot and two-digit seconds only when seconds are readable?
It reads 6.45
